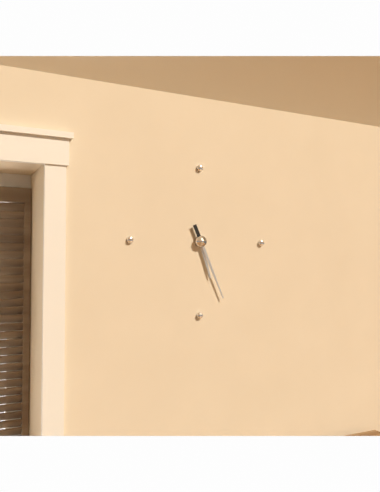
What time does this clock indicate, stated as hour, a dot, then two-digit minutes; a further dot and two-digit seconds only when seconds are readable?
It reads 5.26
